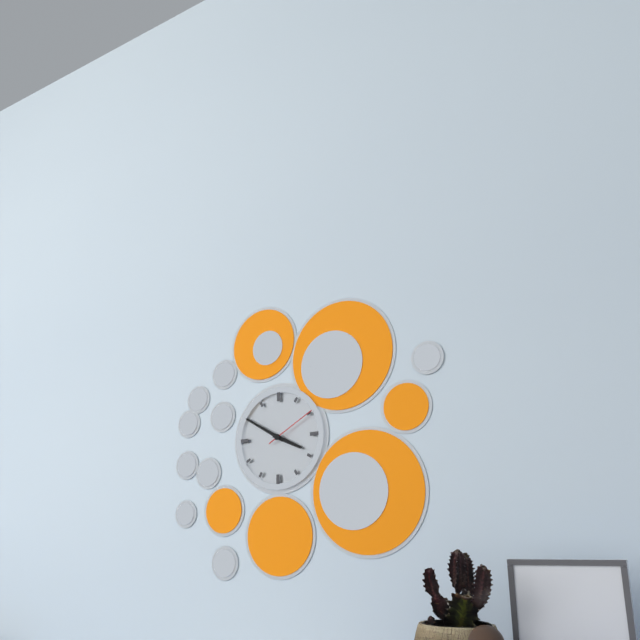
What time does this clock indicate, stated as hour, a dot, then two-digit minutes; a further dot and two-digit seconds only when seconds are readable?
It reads 3.50.10
